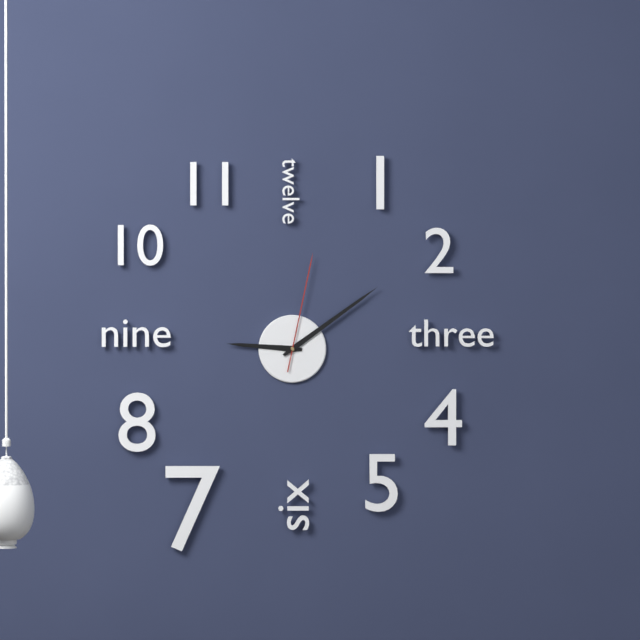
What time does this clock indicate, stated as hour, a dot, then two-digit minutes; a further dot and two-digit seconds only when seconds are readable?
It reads 9.09.02
